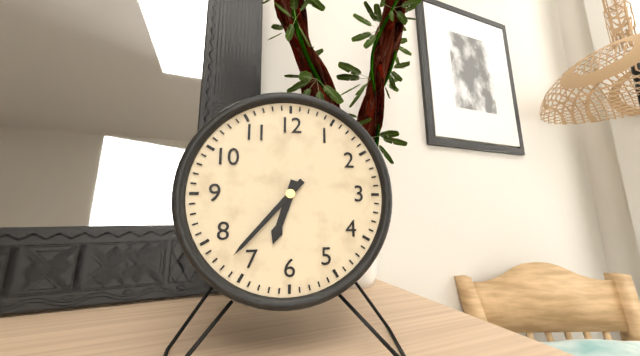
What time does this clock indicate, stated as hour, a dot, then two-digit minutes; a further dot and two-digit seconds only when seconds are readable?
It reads 6.37
